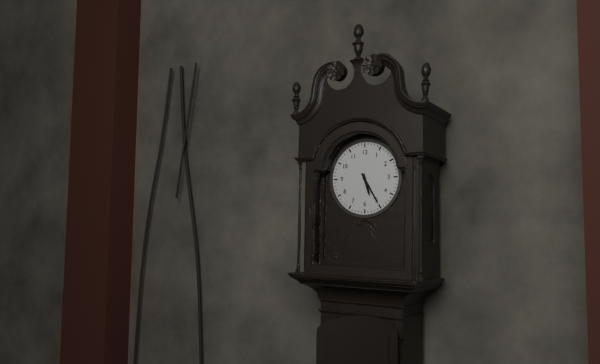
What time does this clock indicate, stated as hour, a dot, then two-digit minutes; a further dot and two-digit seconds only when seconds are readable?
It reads 5.25
